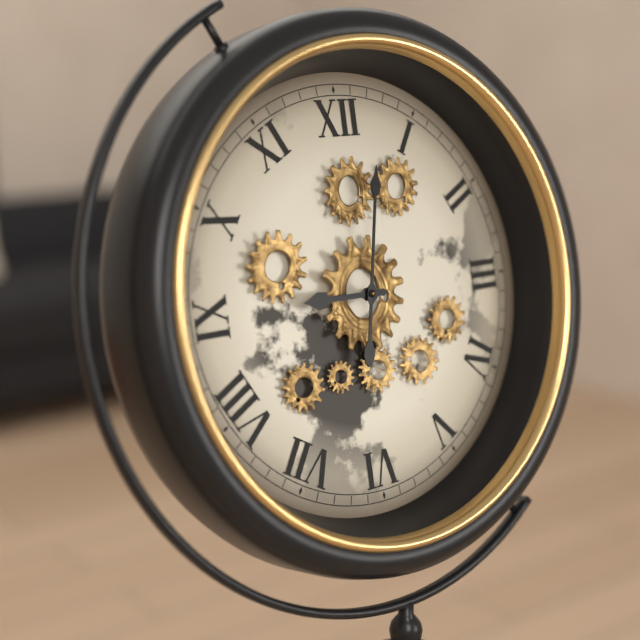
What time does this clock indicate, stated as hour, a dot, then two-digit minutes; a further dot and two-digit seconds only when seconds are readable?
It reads 9.02
